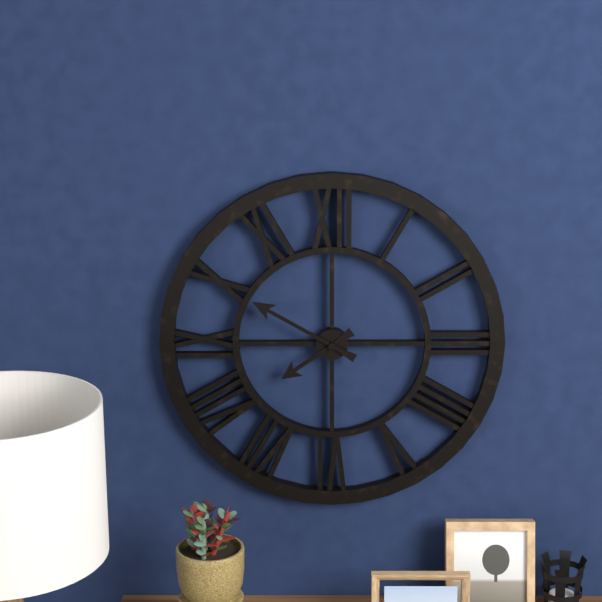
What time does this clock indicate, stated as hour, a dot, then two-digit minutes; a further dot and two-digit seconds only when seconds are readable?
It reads 7.50
